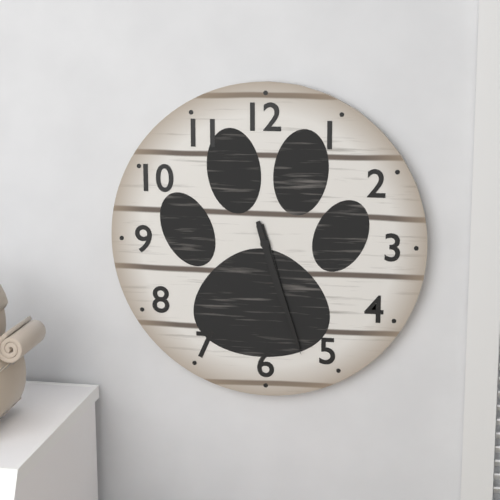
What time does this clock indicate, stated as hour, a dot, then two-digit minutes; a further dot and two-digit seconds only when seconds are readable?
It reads 5.27
